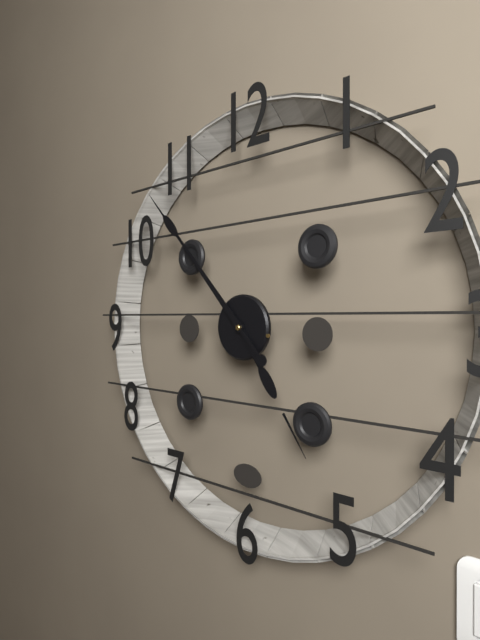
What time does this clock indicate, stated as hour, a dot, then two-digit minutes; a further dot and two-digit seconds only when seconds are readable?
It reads 4.53
